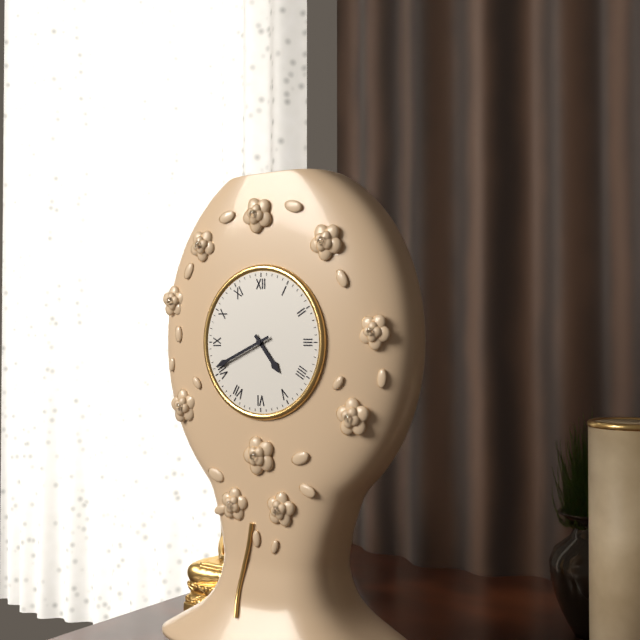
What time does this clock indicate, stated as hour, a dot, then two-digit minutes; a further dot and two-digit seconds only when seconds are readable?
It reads 4.41
